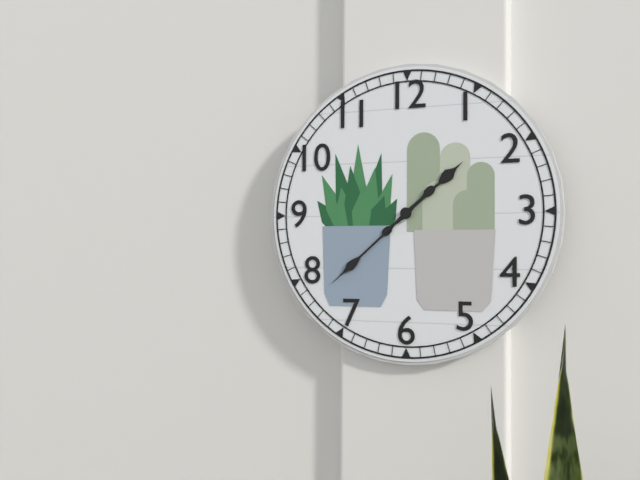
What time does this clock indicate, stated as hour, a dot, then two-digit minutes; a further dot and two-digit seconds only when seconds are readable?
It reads 1.38
